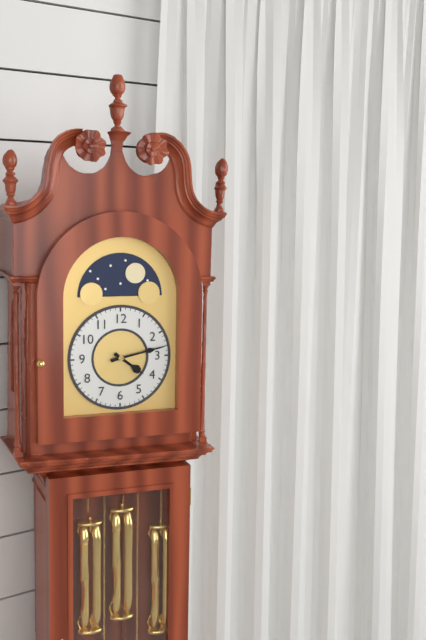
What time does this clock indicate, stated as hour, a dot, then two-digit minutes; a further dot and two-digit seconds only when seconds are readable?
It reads 4.13
